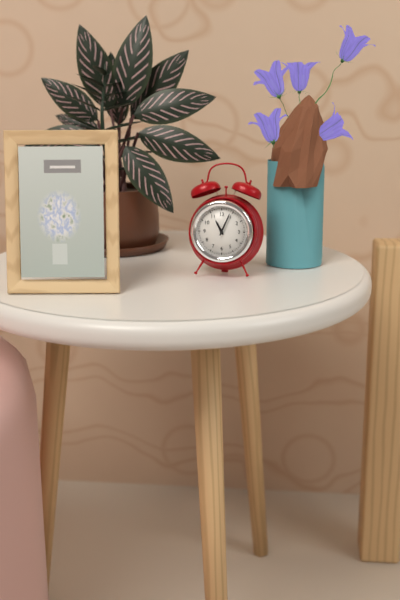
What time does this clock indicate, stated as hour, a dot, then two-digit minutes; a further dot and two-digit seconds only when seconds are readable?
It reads 11.04
